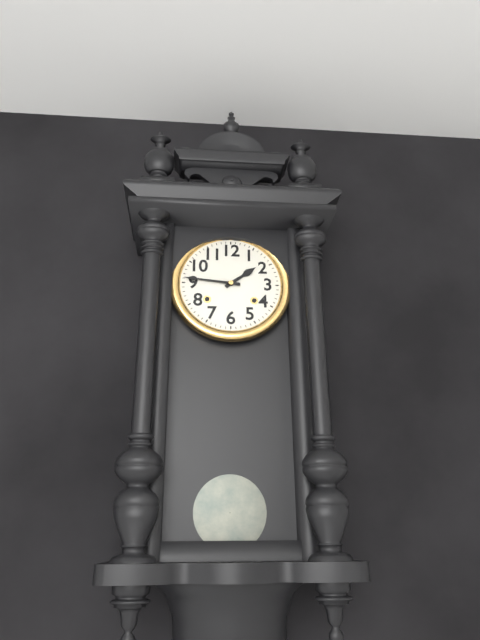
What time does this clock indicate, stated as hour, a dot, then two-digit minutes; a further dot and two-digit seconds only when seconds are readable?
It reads 1.46
